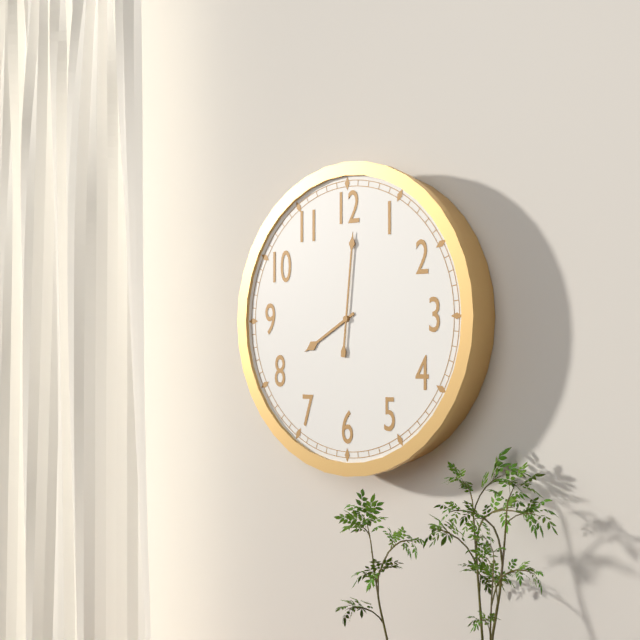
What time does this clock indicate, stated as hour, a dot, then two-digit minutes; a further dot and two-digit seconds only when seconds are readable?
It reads 8.01
